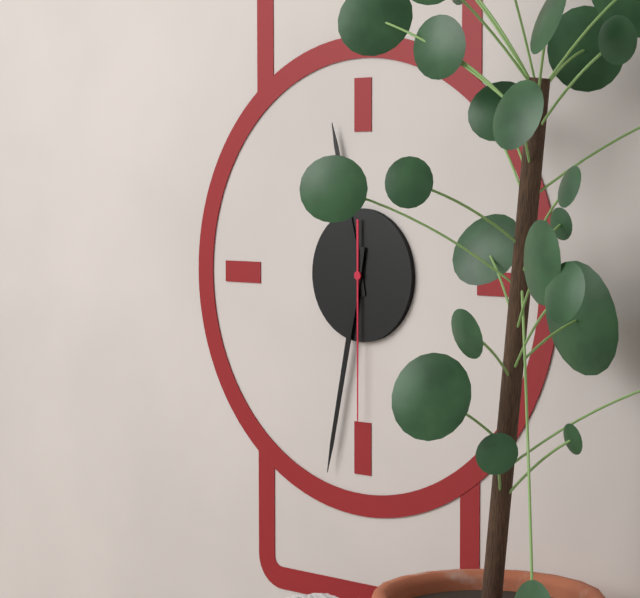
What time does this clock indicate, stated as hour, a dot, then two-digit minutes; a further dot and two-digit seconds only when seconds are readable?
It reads 11.32.30
